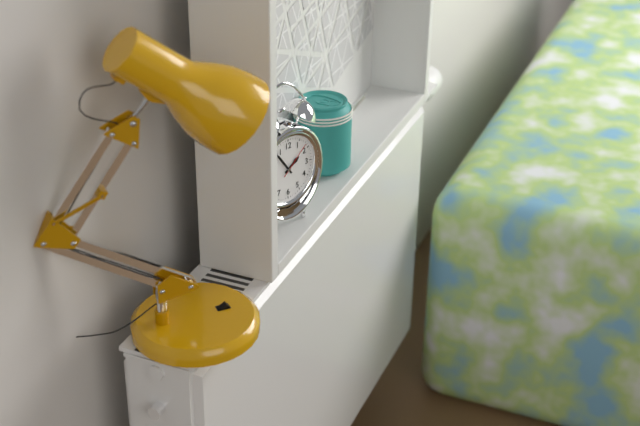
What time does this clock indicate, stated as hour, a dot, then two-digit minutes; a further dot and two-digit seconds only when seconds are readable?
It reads 1.54
